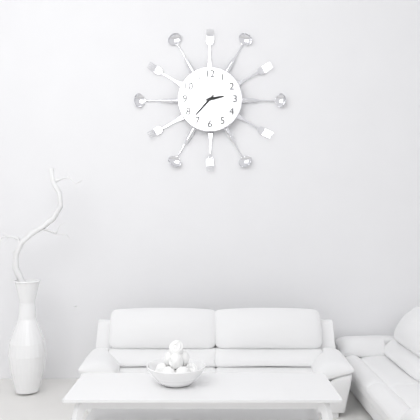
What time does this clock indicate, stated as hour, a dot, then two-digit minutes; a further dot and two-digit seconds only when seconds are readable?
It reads 2.37
